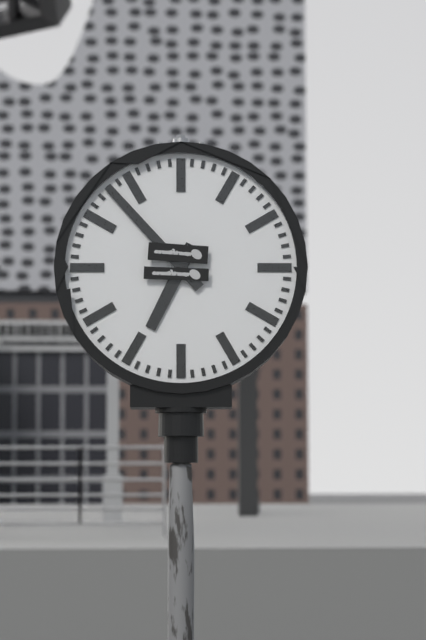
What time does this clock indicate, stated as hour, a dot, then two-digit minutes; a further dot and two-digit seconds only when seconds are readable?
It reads 6.53
